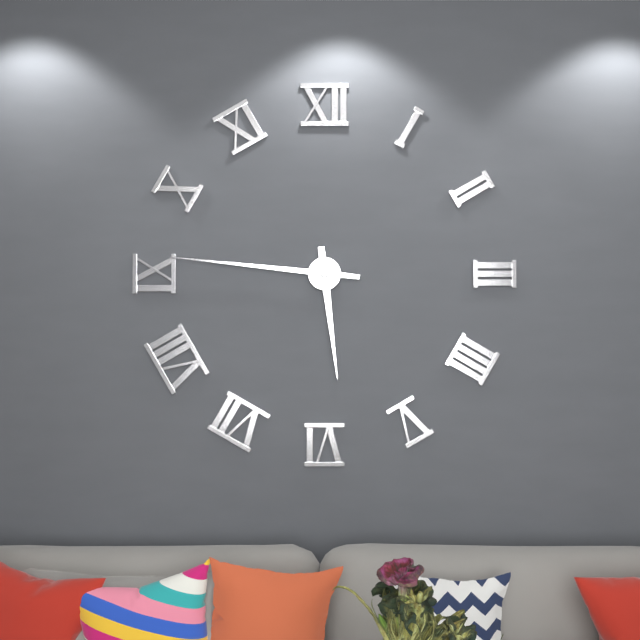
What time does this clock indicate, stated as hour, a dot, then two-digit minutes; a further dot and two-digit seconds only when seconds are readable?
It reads 5.46
